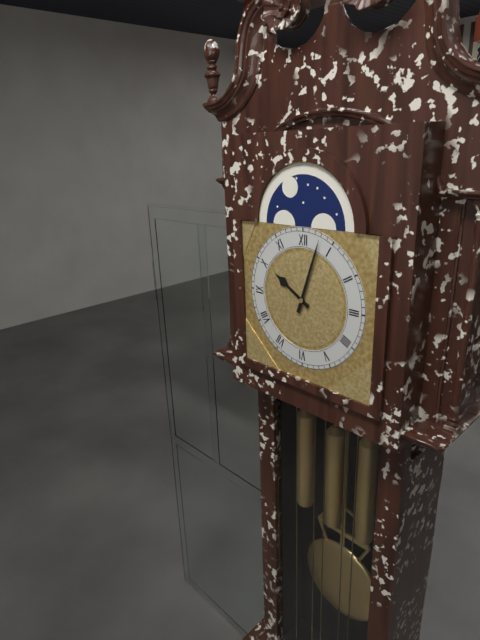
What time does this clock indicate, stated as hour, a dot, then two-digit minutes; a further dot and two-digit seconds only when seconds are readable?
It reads 10.03
